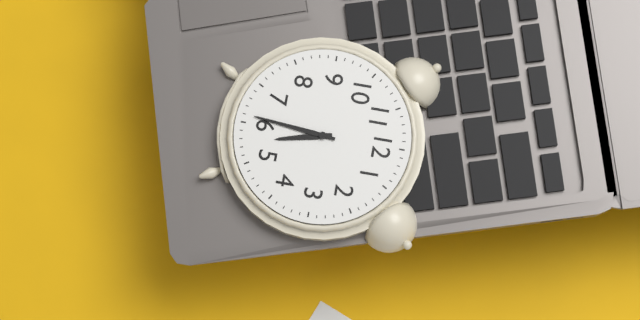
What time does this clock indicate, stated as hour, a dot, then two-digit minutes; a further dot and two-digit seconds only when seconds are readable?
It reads 5.31
